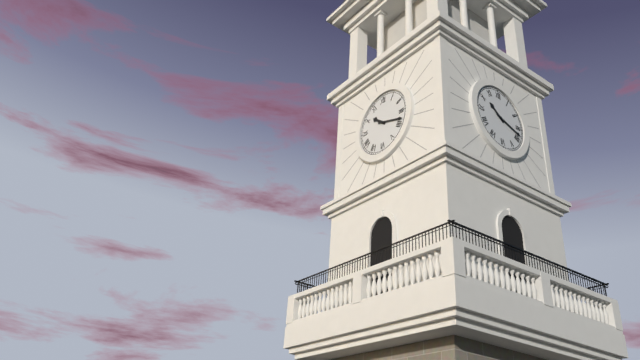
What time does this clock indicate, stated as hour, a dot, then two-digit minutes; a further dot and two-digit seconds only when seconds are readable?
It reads 10.18
